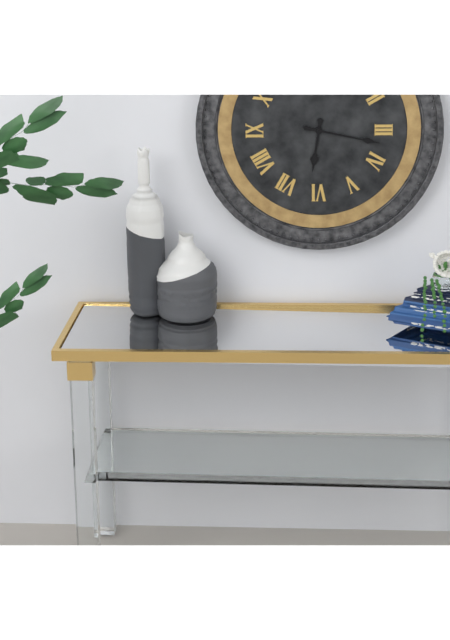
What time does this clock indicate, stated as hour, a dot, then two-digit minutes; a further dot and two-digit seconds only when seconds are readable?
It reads 6.17
